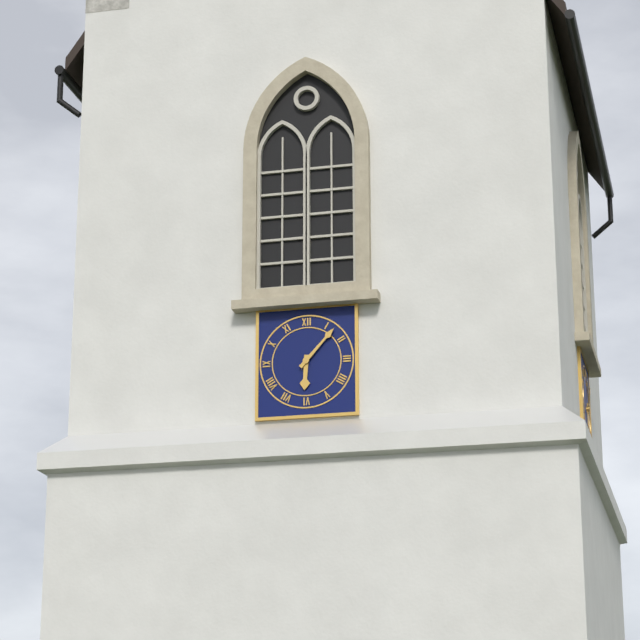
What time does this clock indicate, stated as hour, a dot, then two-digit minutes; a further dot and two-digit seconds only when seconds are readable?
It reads 6.07
